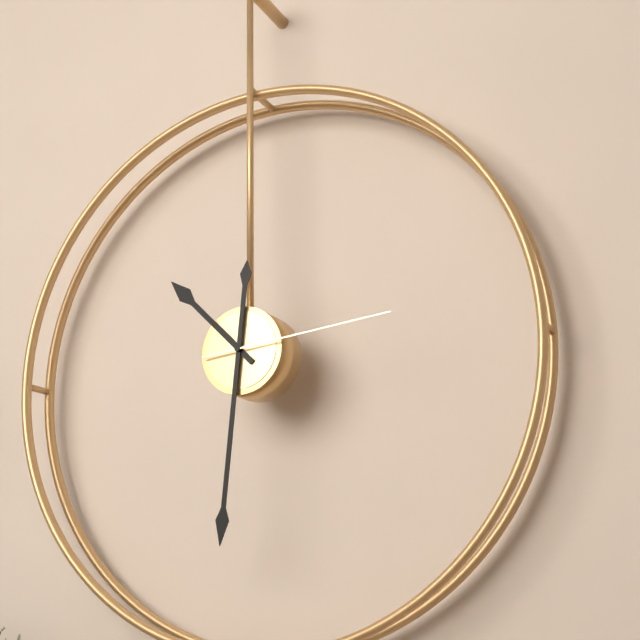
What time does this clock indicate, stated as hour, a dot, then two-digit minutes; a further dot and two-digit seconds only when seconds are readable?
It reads 10.31.14
